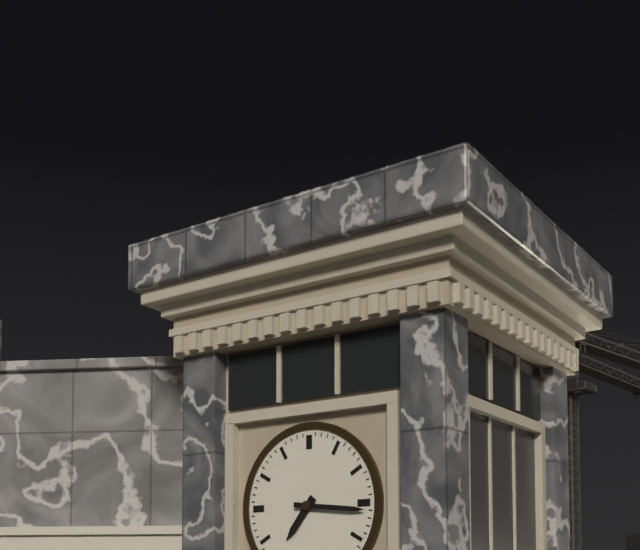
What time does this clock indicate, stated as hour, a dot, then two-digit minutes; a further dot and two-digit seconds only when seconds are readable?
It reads 7.16
